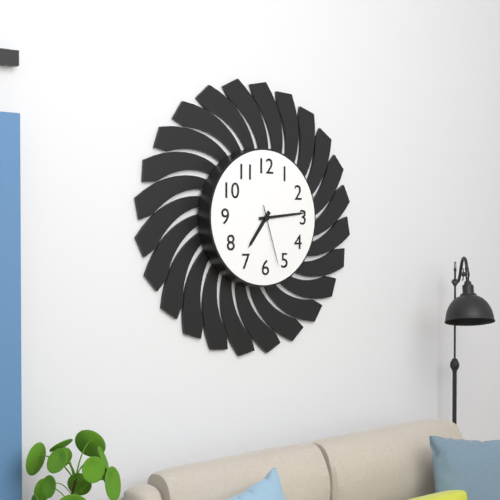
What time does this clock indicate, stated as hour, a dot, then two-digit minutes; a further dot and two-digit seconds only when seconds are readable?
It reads 7.14.27
